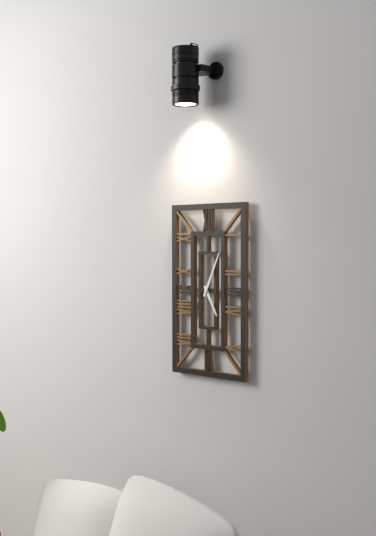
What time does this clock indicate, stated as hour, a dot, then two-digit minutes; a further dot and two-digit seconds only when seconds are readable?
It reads 5.04
